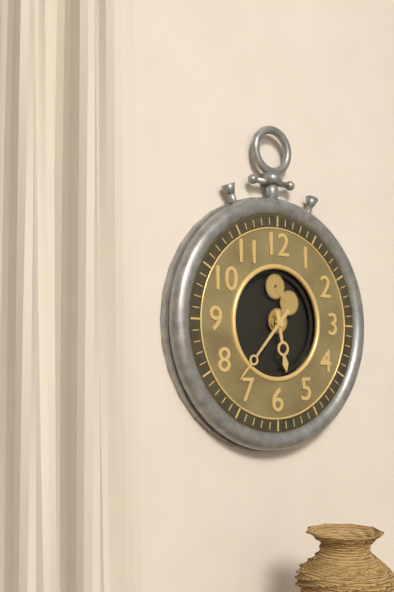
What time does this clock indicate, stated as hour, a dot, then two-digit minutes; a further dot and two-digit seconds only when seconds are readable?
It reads 5.37
